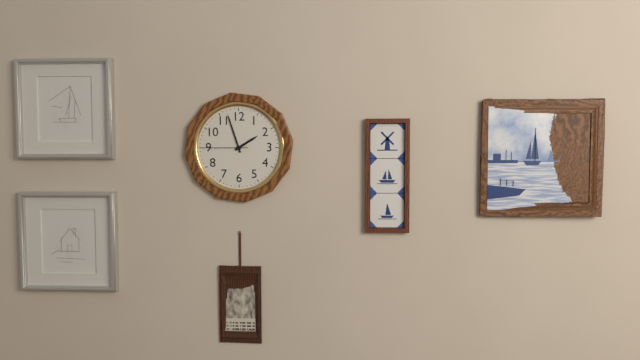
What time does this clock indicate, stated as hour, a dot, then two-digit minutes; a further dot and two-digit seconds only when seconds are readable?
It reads 1.57
